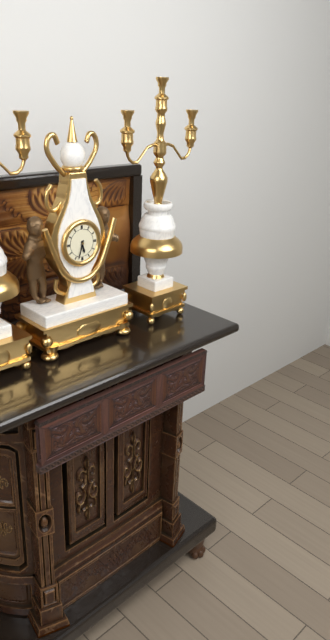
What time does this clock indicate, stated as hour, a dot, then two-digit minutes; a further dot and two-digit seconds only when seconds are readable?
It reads 5.33
